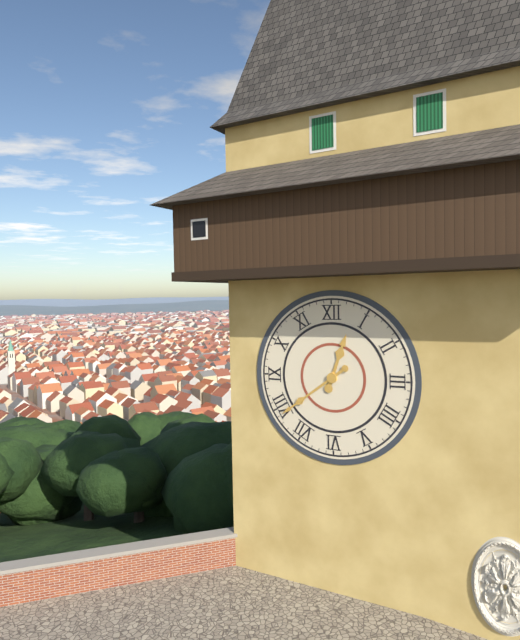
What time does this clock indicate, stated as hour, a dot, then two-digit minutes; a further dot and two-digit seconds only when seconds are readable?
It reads 12.39
